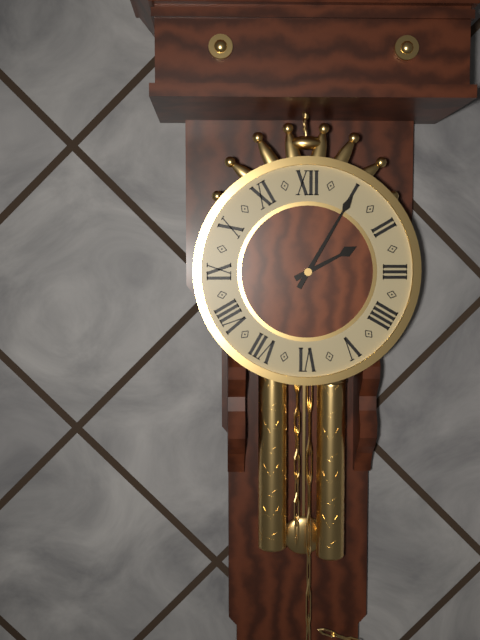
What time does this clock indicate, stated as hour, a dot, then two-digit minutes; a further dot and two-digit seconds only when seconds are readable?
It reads 2.05
